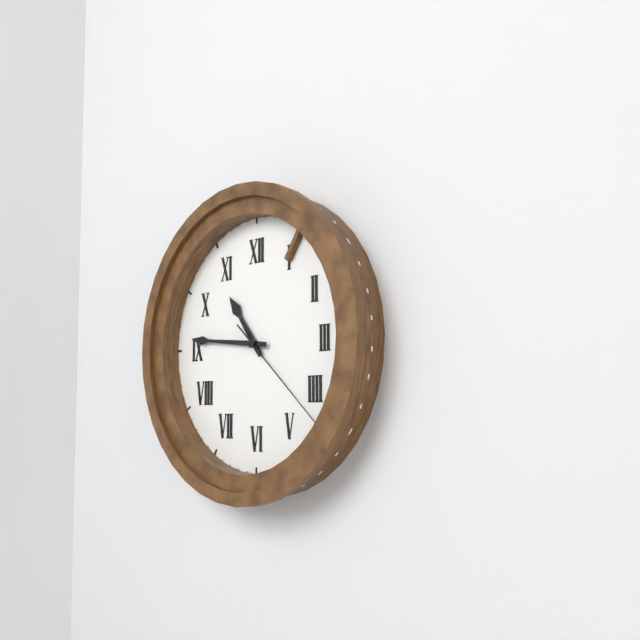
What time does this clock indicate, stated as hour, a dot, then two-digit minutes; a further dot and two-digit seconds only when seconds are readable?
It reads 10.46.22
